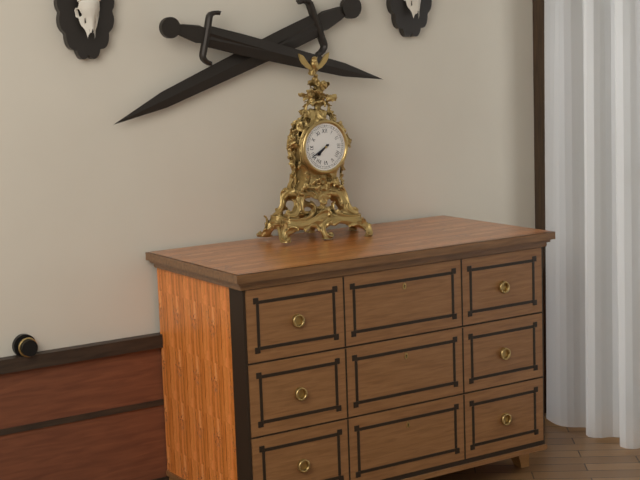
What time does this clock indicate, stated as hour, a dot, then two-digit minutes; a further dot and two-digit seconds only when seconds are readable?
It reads 7.40
